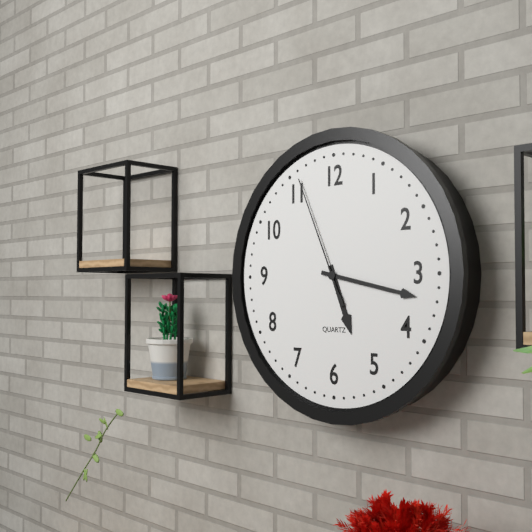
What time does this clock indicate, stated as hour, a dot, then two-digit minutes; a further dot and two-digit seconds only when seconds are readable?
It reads 5.17.56
